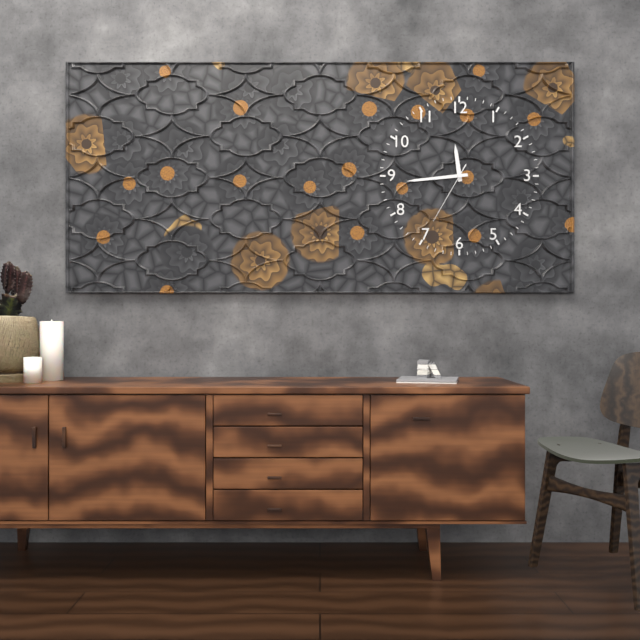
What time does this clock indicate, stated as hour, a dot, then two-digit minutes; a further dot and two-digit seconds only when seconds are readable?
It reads 11.44.35
